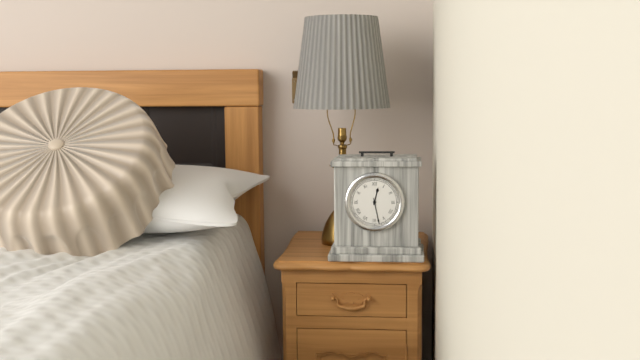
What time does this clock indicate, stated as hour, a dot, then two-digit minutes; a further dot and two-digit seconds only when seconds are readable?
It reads 12.28
